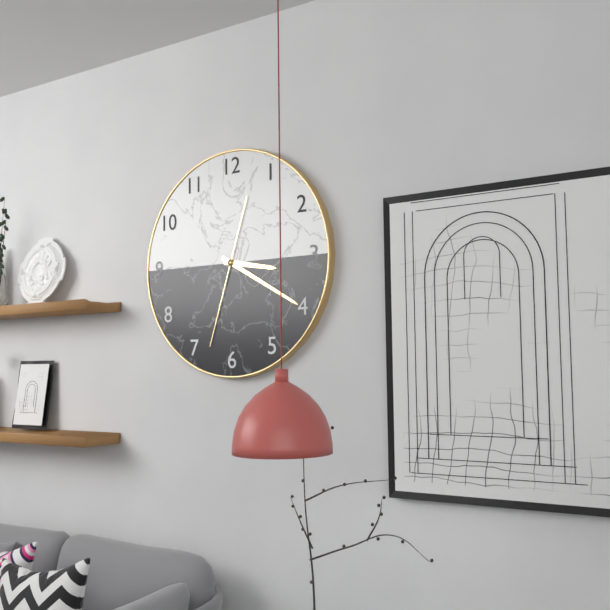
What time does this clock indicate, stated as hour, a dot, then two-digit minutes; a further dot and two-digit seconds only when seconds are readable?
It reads 3.20.33
